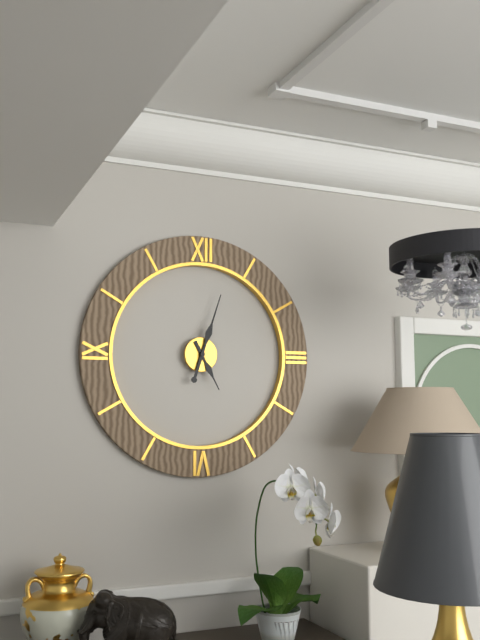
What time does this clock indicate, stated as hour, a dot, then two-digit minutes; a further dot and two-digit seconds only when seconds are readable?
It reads 5.03
